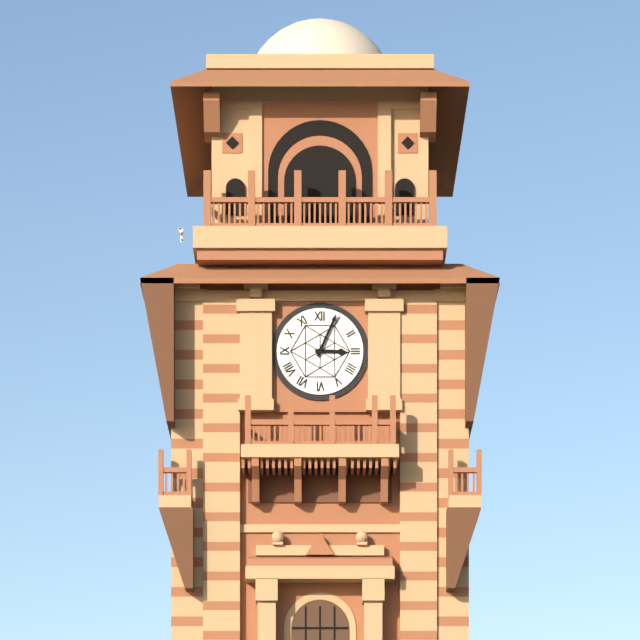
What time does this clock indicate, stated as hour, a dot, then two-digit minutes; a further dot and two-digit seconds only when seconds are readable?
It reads 3.04
